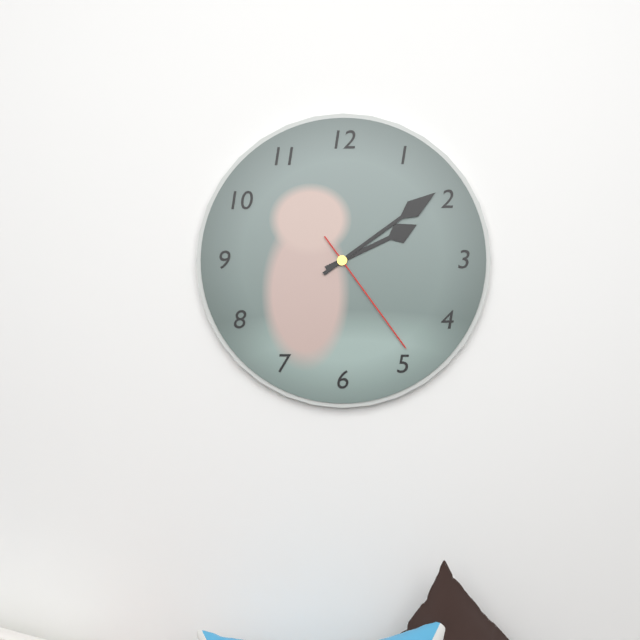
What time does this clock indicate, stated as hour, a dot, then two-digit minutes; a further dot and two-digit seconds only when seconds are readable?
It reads 2.09.24
